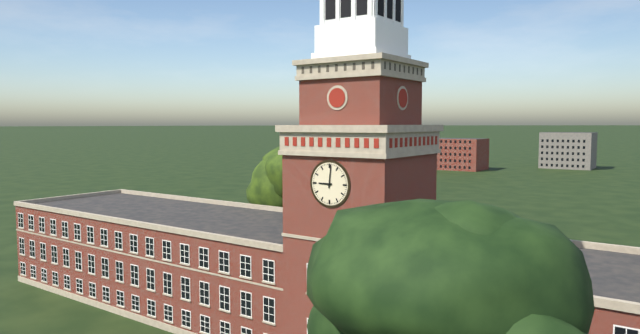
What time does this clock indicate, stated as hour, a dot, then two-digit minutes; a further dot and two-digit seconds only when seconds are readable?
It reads 9.01
